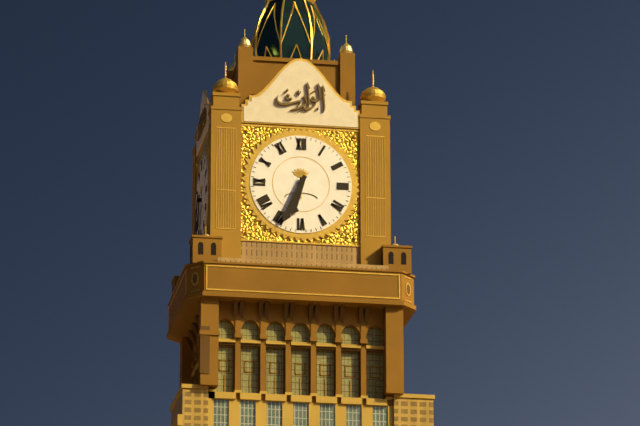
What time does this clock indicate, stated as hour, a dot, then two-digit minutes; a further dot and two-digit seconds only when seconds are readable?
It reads 6.34
